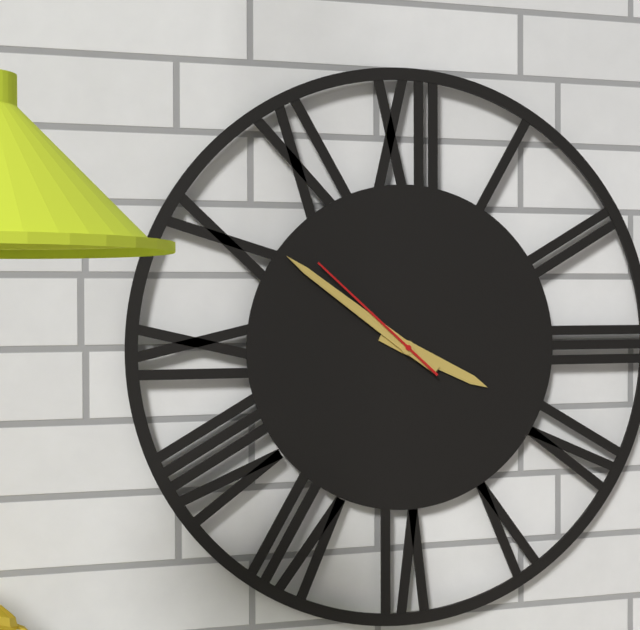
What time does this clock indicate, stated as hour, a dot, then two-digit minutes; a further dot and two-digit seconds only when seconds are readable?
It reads 3.51.52
